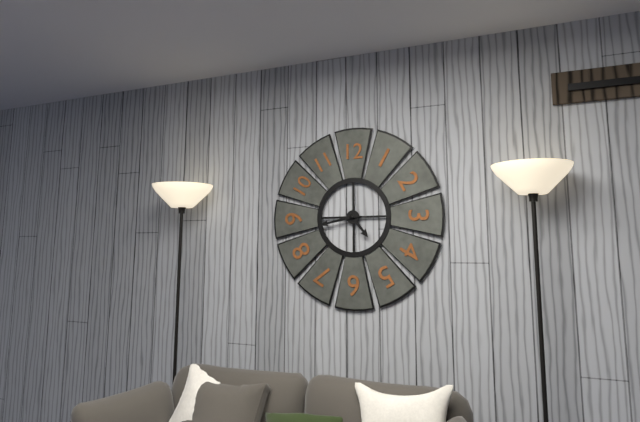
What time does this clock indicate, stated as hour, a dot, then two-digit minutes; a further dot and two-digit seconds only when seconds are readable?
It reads 4.43
